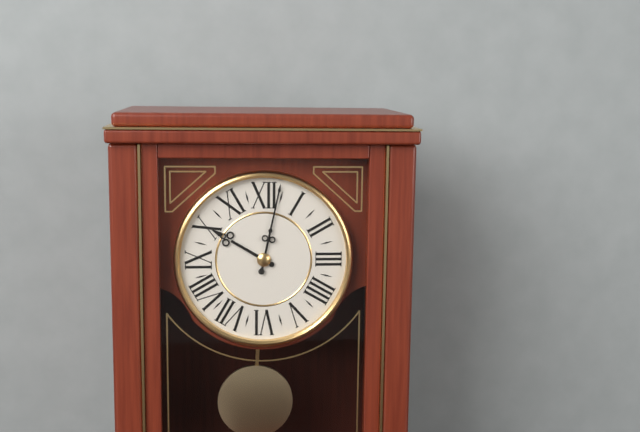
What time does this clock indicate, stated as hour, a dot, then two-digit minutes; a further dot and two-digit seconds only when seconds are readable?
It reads 10.02
